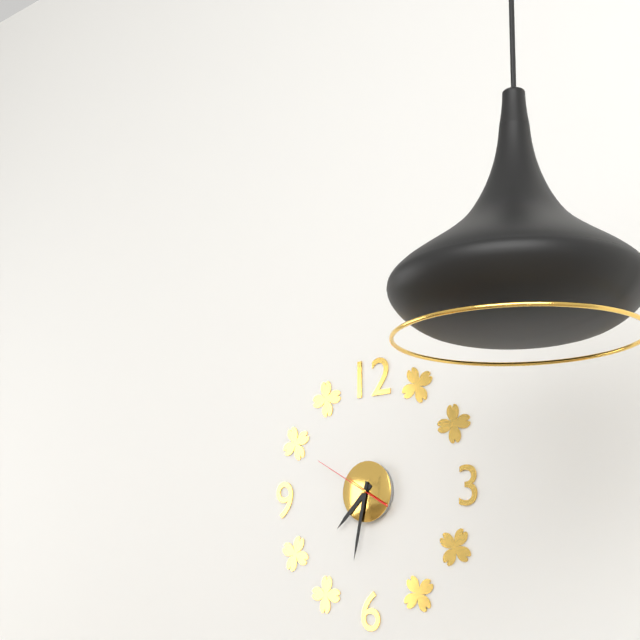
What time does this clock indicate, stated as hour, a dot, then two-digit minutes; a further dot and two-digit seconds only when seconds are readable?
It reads 7.32.50
